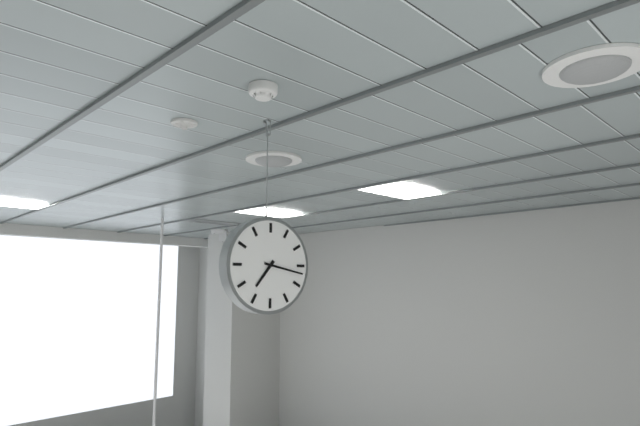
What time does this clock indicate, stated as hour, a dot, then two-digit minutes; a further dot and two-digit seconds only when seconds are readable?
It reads 7.17
